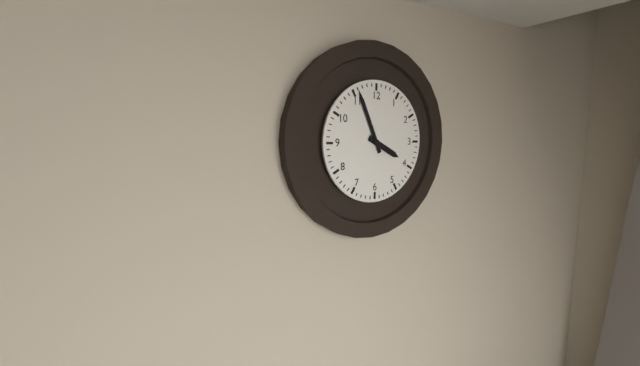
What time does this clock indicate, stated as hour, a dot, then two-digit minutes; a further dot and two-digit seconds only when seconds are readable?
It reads 3.56
